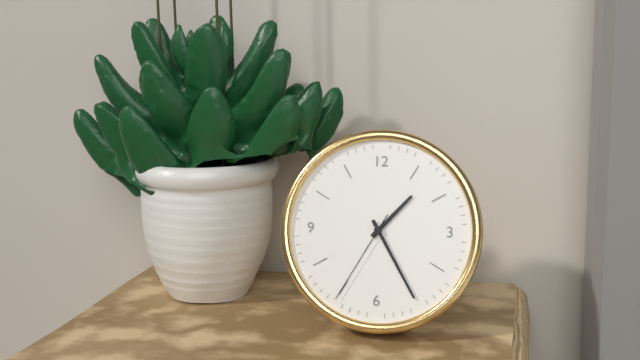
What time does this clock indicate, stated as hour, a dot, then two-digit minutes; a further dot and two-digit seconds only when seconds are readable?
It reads 1.25.35
